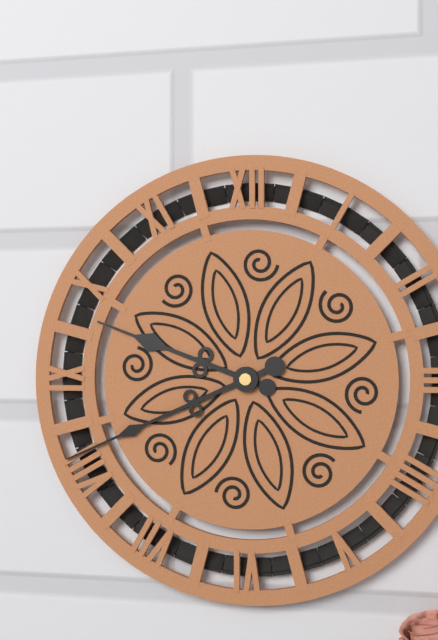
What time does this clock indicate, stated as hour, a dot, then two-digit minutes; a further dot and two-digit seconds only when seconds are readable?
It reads 9.41
